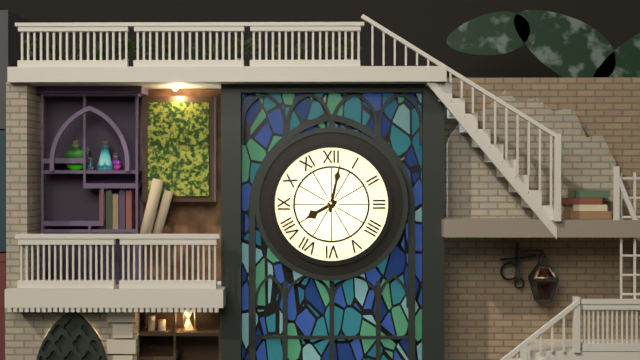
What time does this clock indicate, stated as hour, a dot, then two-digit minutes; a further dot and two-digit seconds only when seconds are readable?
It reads 8.02
